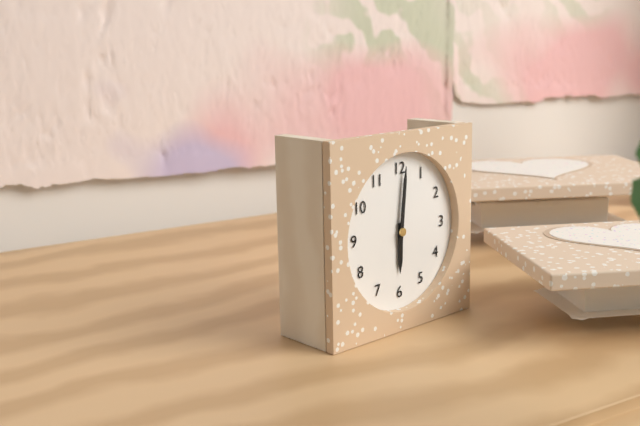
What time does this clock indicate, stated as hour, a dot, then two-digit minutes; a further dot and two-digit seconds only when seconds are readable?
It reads 6.01
